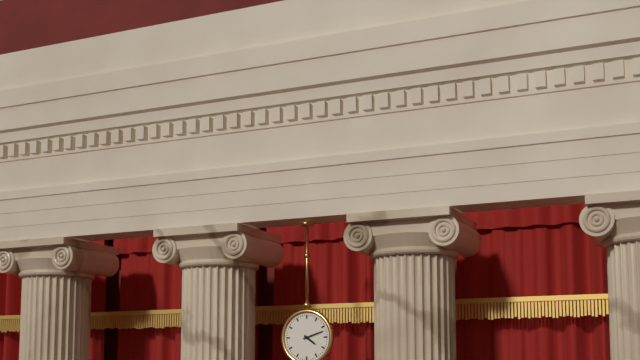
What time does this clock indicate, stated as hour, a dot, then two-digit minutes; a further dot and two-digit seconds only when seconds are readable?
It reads 4.12
